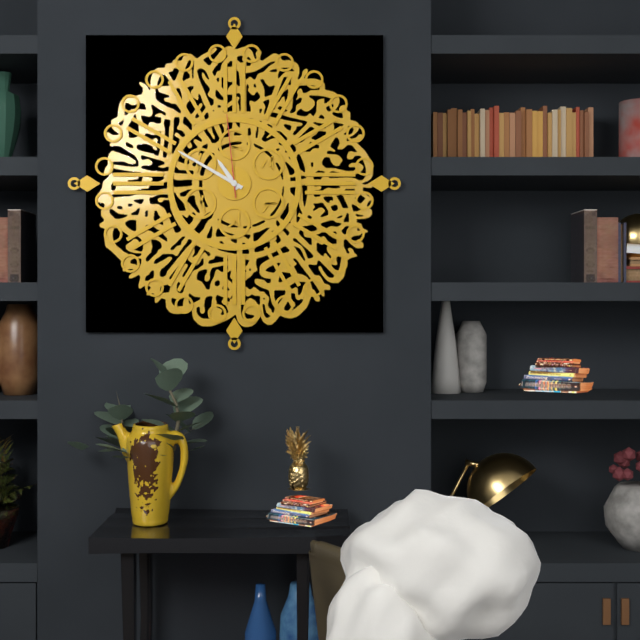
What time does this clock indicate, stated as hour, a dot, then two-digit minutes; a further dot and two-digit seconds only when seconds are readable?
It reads 10.50.59
